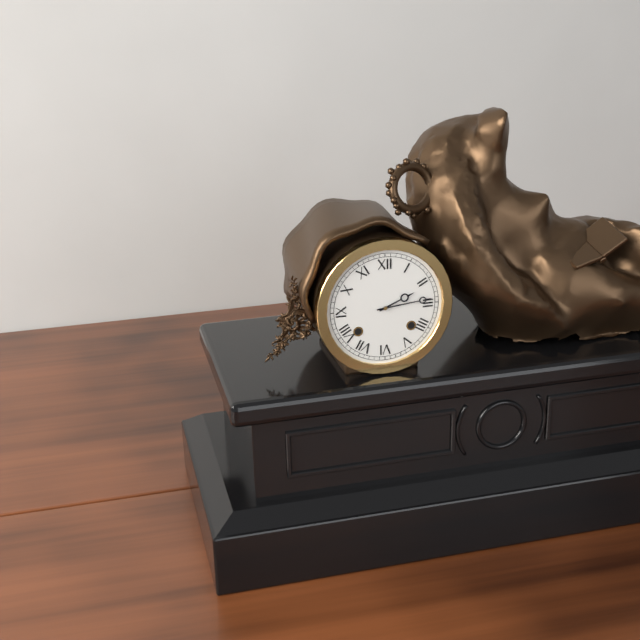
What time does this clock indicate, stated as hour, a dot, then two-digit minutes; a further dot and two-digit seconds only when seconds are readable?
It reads 2.14
